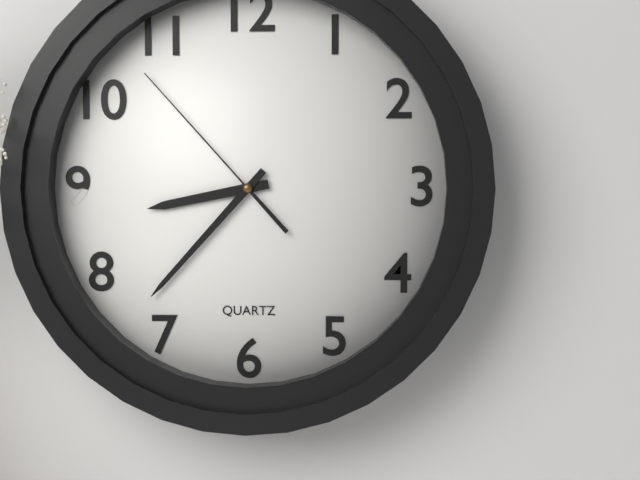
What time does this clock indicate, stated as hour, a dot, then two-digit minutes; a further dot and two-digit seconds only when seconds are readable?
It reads 8.37.53
